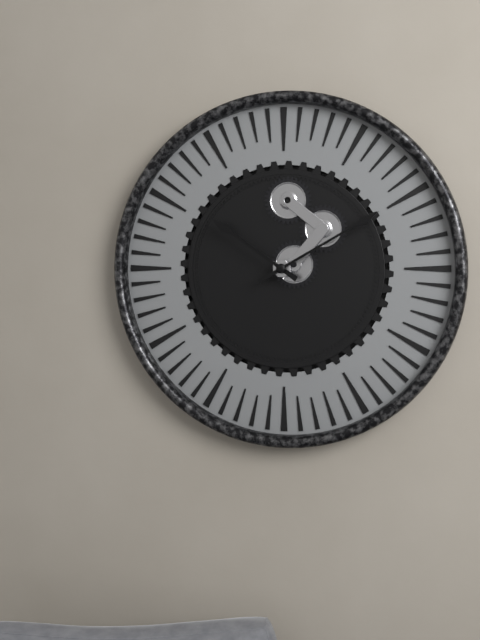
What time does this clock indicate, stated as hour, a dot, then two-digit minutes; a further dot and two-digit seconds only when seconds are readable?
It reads 10.10
